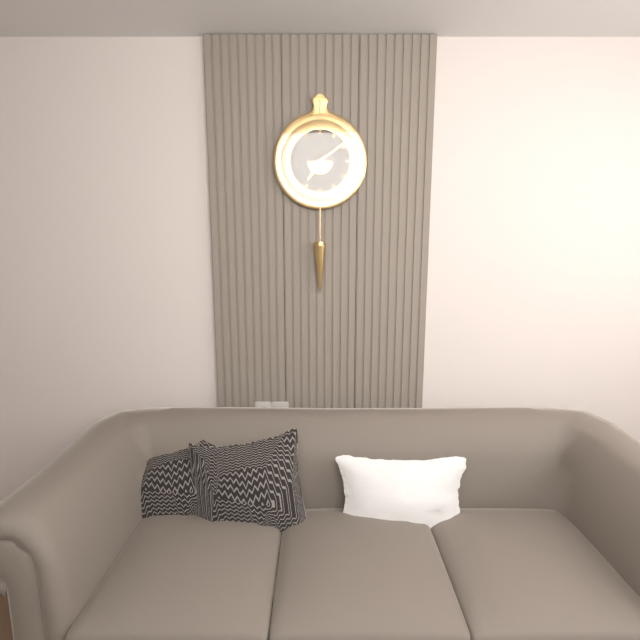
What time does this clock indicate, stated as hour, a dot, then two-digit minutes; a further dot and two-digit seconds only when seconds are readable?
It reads 7.09
